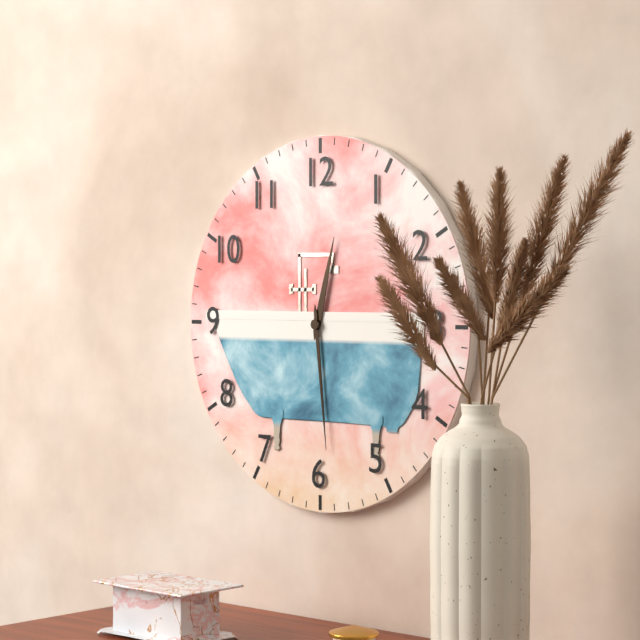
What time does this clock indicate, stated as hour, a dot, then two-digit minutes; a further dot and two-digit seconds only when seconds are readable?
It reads 12.29
